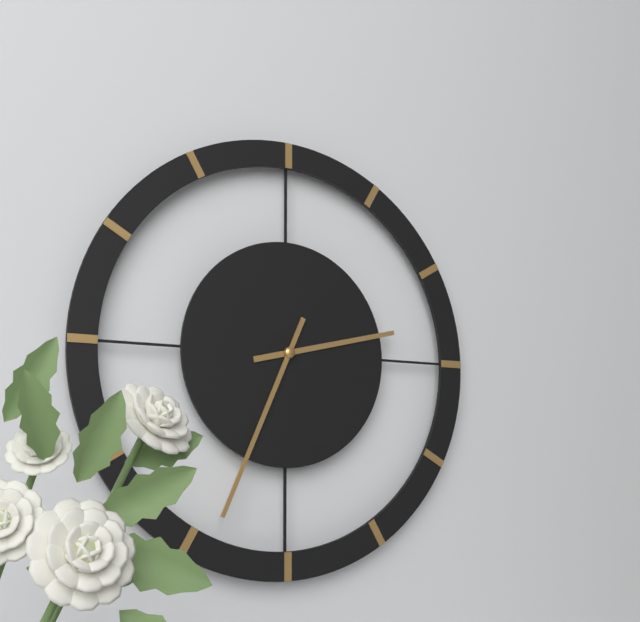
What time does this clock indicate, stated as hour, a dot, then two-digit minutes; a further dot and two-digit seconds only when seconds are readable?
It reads 2.34
